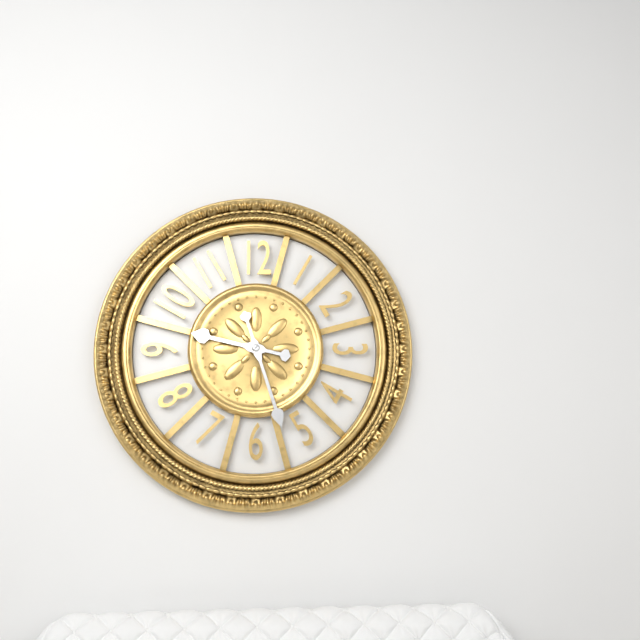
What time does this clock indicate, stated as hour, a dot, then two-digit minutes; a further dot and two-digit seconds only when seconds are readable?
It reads 9.27
